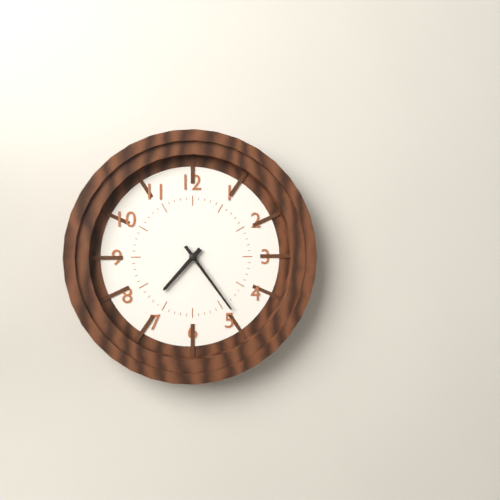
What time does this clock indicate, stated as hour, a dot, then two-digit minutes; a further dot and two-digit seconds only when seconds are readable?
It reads 7.24
